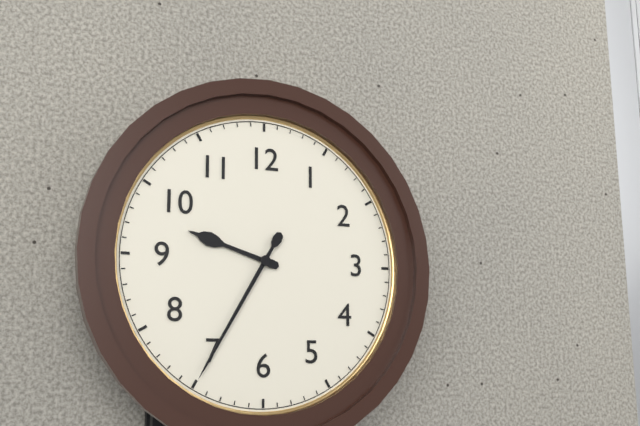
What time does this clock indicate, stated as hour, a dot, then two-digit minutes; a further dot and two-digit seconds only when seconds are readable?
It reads 9.35
